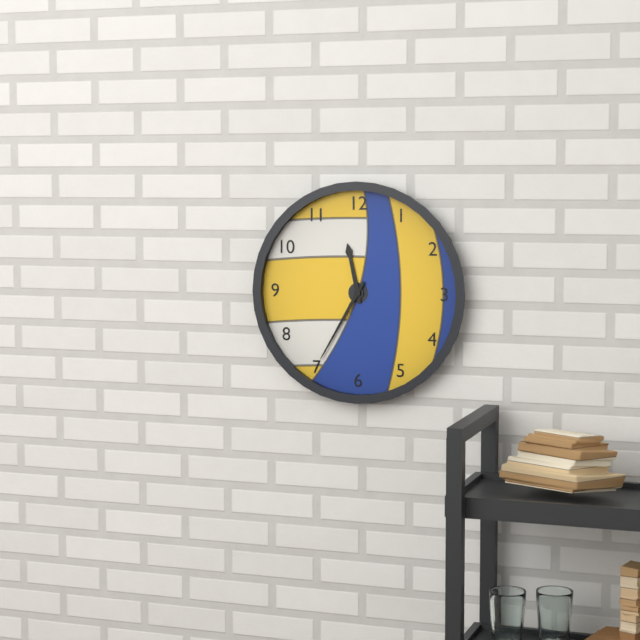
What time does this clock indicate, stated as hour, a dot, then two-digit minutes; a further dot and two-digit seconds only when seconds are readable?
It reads 11.35
